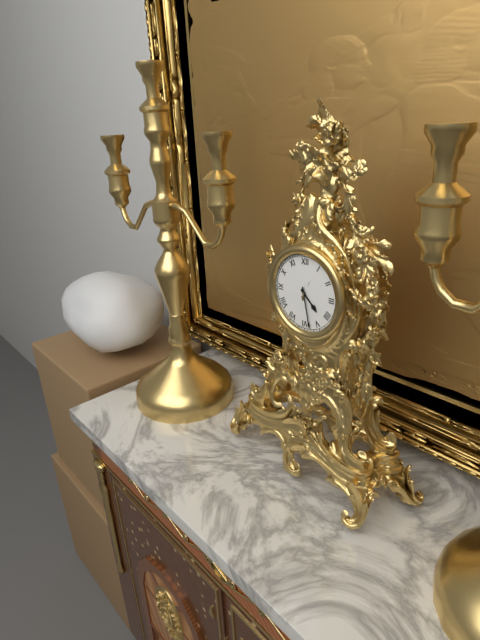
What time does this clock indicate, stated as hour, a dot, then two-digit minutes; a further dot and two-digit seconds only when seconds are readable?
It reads 4.28
